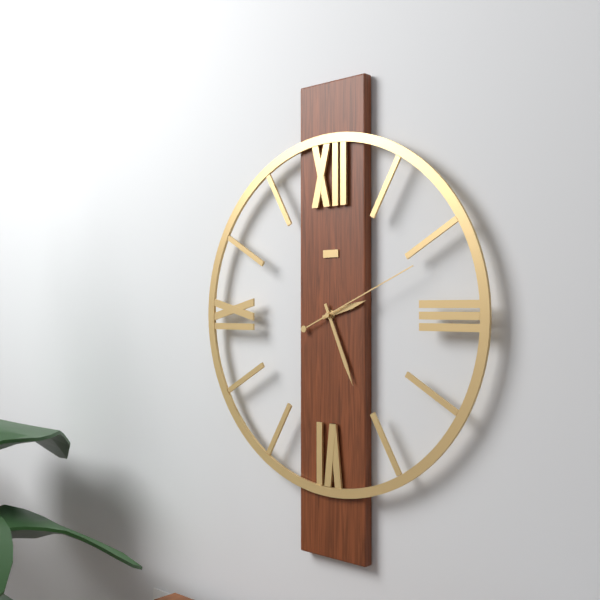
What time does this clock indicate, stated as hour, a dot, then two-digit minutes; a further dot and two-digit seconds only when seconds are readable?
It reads 2.26.11
